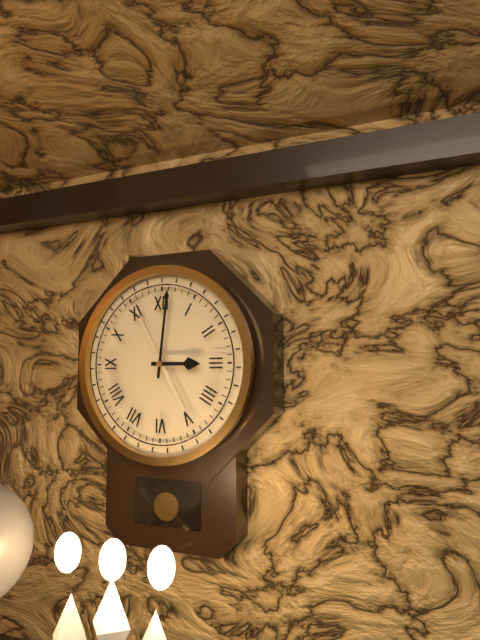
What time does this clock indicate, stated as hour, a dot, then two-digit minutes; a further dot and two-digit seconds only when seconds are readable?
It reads 3.01
